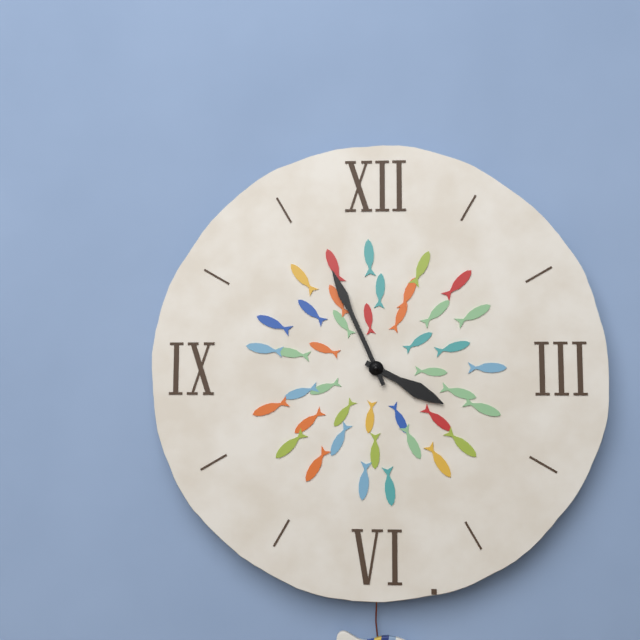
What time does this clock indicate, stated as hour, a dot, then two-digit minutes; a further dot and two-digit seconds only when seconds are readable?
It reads 3.56
